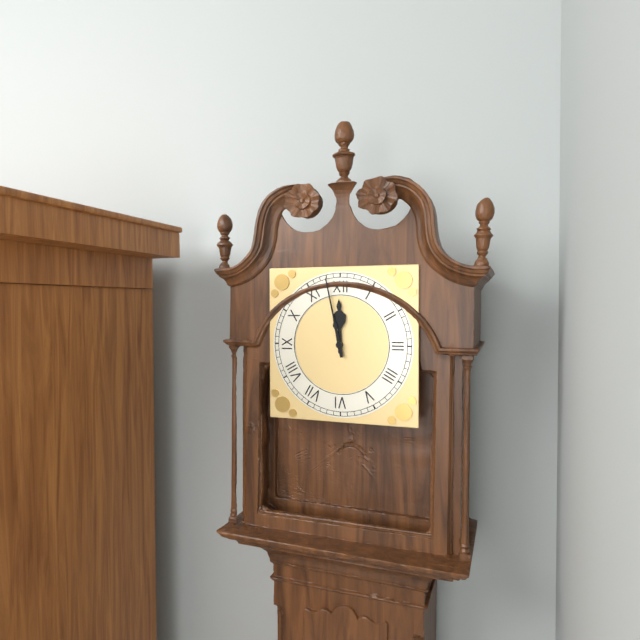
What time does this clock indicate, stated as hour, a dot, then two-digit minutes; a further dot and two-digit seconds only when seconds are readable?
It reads 11.58
